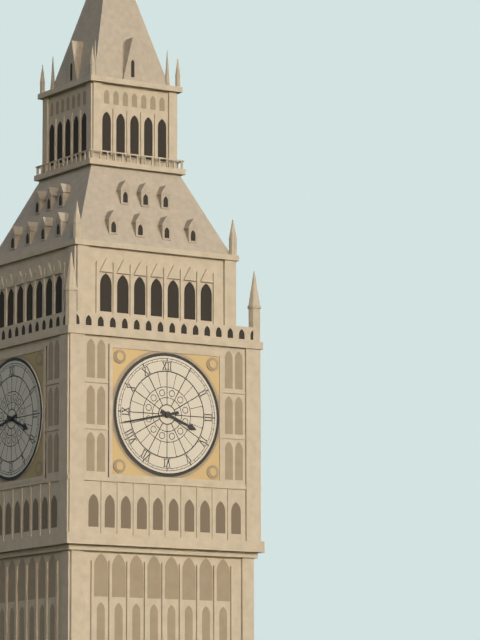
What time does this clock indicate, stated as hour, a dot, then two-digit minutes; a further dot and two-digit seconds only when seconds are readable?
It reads 3.43
